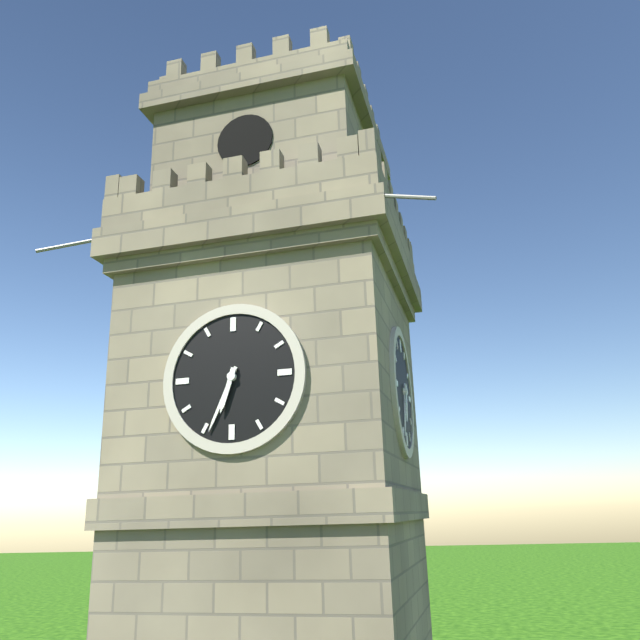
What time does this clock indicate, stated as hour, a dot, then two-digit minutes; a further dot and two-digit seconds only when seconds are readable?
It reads 6.34
